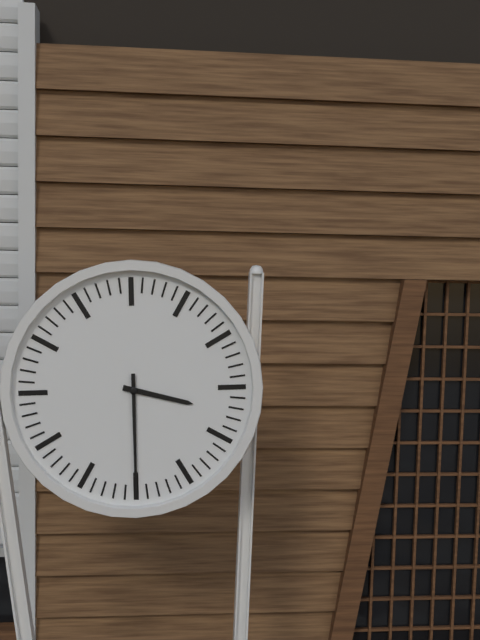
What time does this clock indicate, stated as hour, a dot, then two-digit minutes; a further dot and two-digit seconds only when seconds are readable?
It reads 3.30
